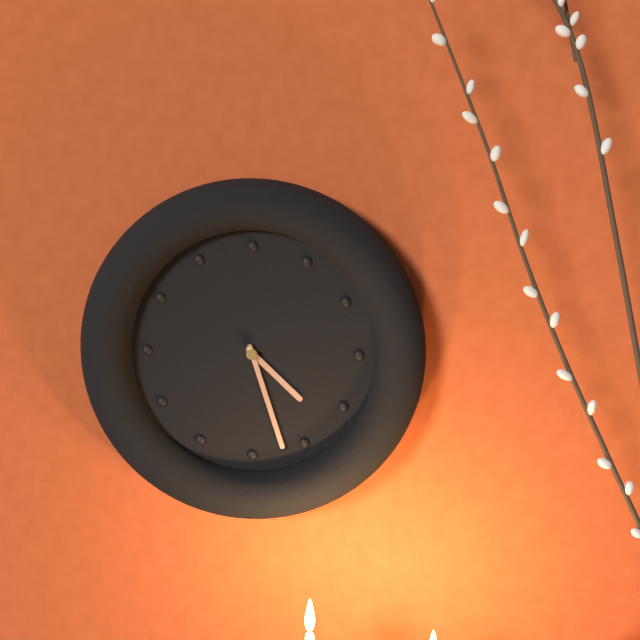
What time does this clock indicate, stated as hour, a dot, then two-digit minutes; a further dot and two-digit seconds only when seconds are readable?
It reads 4.27
